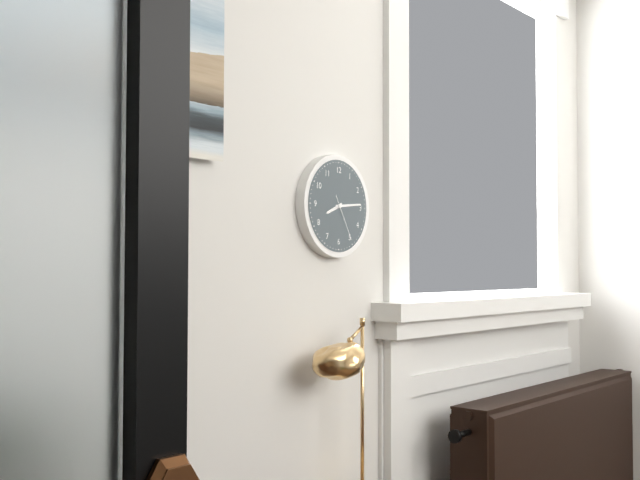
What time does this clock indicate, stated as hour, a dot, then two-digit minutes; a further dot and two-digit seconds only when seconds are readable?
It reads 8.14
